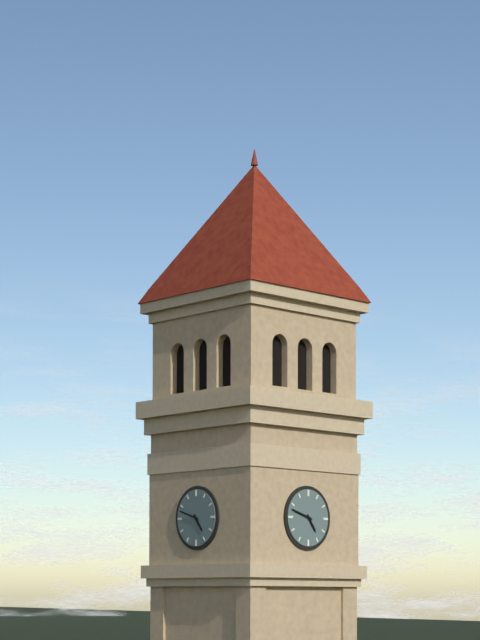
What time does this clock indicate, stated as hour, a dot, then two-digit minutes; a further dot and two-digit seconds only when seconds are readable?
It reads 4.48
